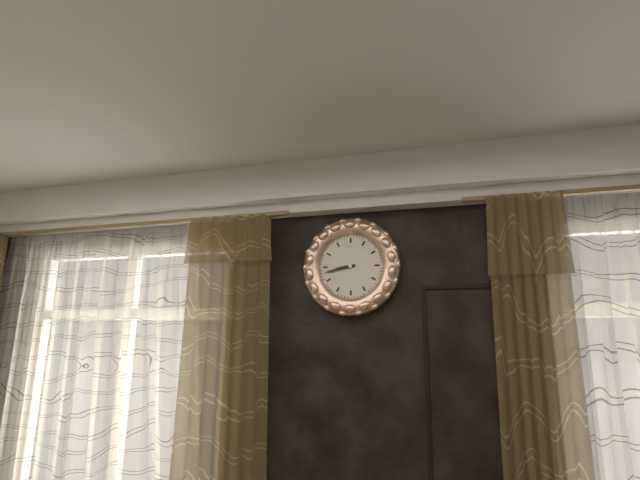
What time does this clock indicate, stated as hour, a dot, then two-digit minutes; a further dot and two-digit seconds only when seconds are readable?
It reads 8.43
